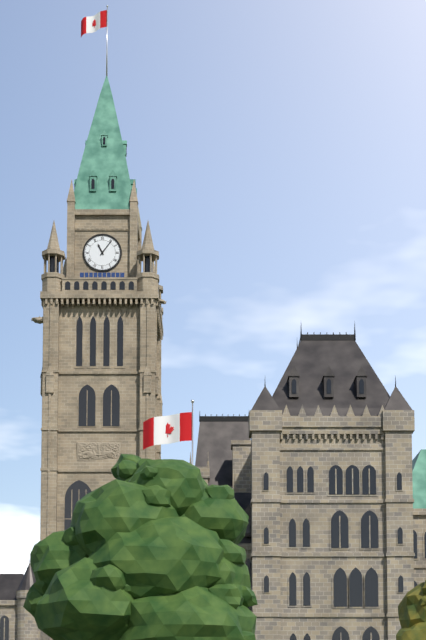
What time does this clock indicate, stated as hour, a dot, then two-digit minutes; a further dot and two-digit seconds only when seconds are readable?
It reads 11.06
